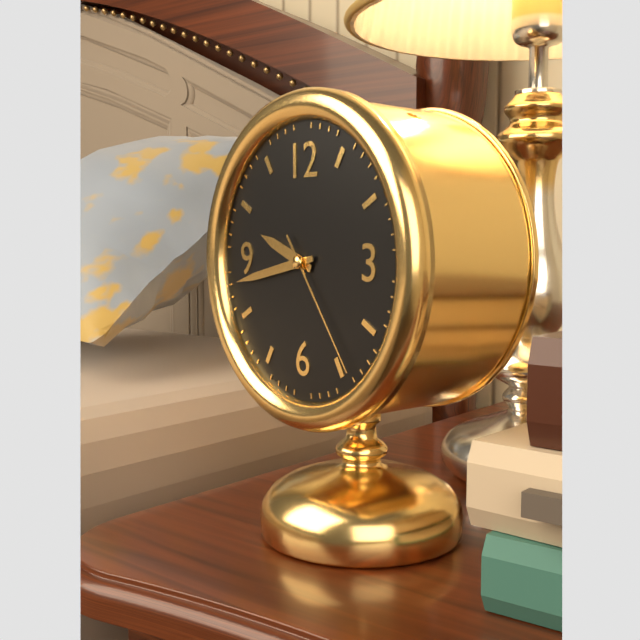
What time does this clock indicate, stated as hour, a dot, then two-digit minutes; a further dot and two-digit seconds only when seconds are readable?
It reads 9.43.24
